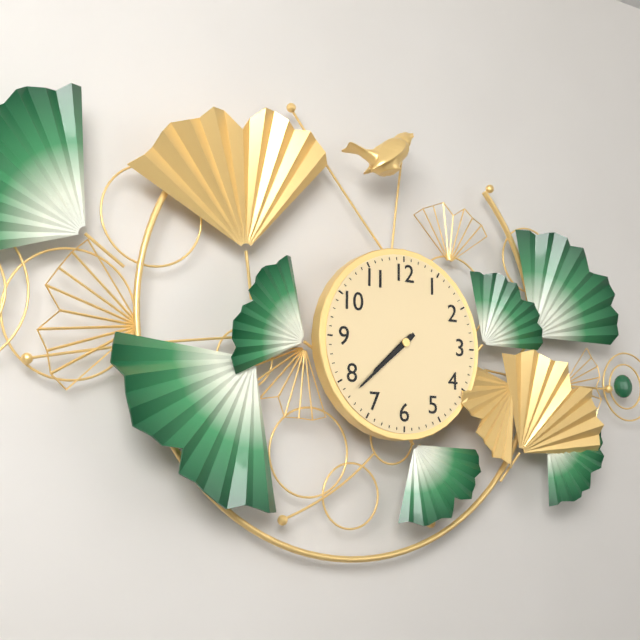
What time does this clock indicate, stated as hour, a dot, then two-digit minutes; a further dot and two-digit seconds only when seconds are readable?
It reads 7.38
